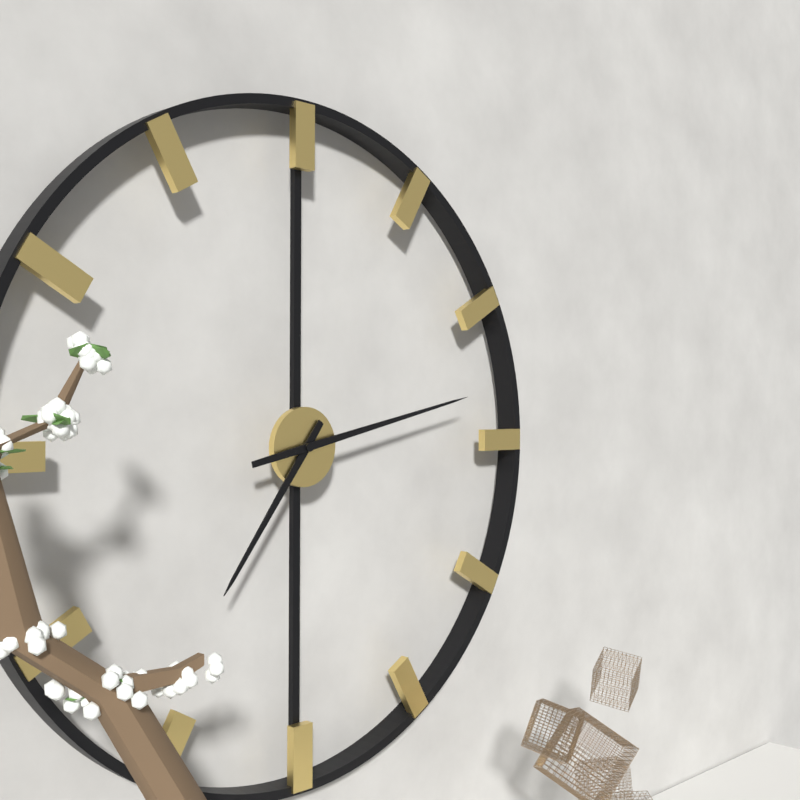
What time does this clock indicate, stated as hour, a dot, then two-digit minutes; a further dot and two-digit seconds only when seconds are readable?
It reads 7.13
